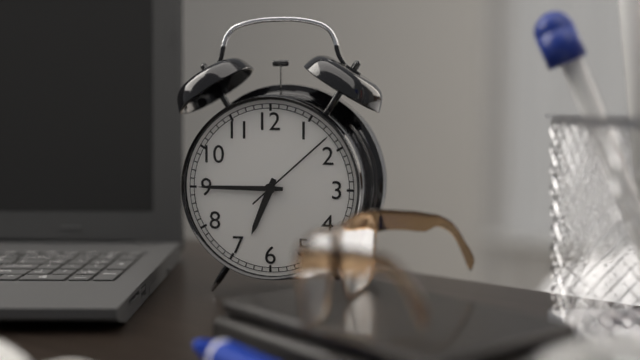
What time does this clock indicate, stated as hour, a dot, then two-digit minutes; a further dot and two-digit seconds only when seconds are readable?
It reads 6.45.08
